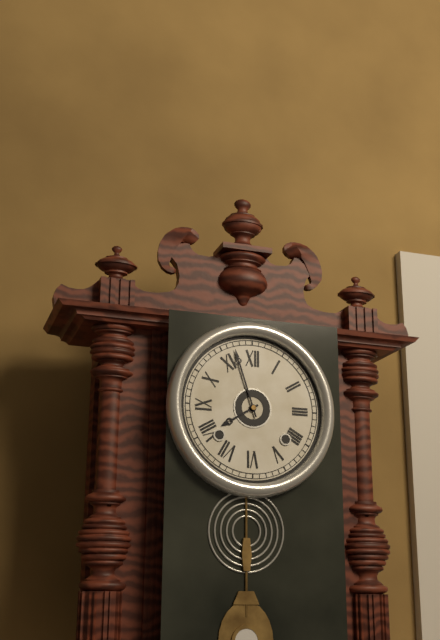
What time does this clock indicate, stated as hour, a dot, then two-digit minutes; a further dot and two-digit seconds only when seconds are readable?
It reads 7.57
